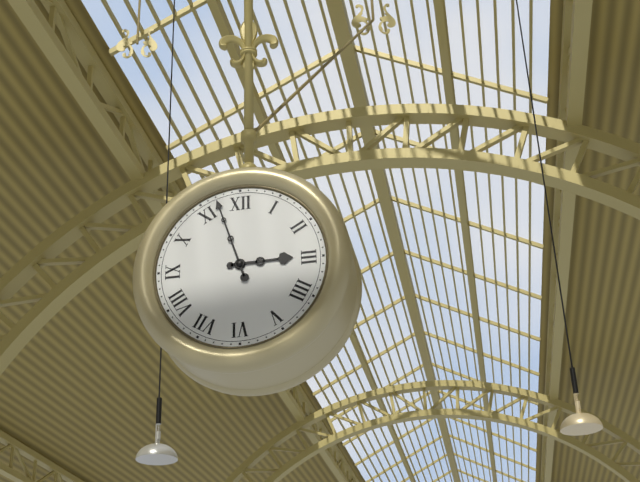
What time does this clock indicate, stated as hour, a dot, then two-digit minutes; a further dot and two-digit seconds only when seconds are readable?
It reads 2.57
